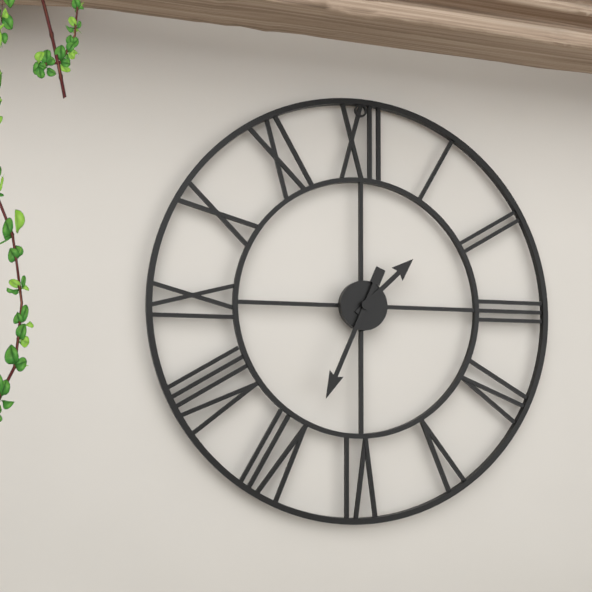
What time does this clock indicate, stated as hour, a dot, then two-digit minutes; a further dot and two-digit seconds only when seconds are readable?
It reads 1.34
